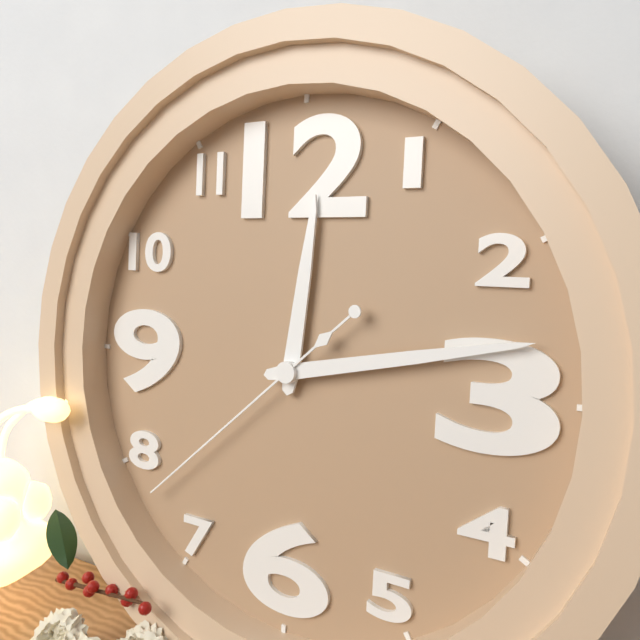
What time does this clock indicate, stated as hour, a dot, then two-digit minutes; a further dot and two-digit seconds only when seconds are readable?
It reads 12.13.38
